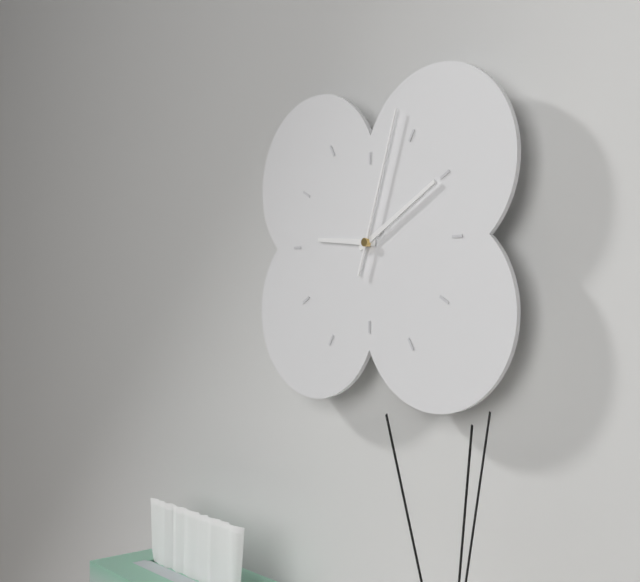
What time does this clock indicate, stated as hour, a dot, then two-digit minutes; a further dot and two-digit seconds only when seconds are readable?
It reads 9.10.03
